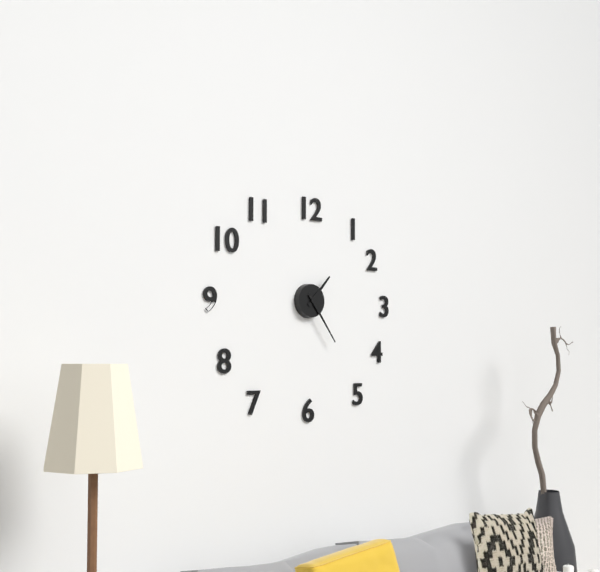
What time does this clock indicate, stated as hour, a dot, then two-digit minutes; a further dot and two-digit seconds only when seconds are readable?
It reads 1.24
